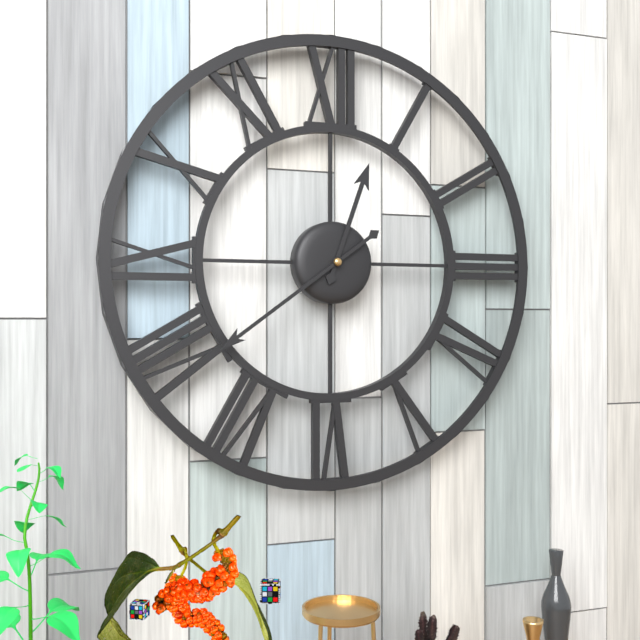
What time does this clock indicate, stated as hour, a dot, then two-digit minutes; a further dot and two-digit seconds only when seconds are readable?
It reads 12.39
